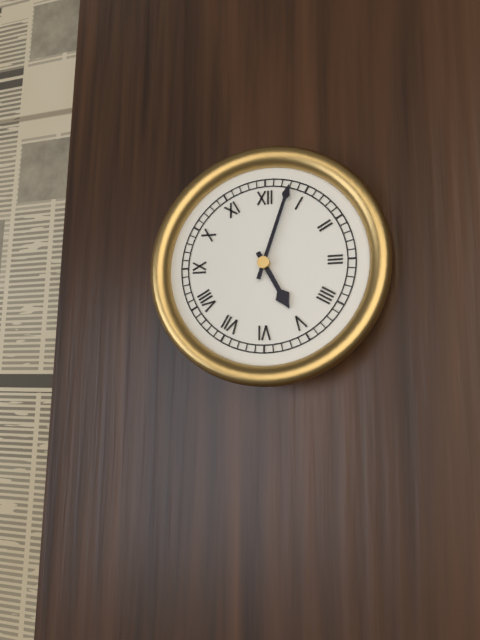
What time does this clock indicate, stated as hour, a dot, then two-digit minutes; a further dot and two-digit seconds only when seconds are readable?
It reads 5.03
